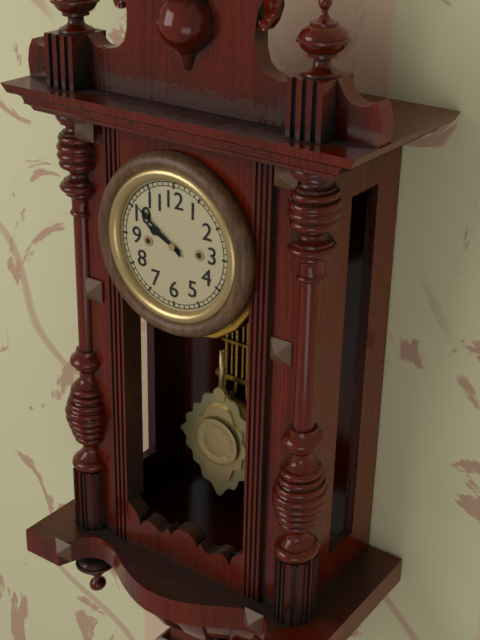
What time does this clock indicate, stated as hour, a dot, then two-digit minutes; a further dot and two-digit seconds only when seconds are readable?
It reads 9.51
